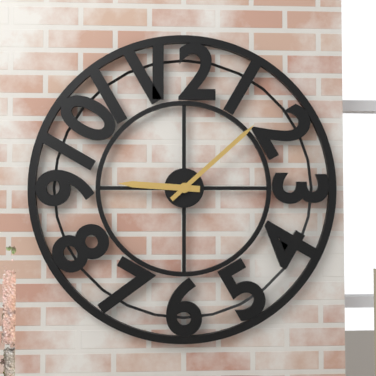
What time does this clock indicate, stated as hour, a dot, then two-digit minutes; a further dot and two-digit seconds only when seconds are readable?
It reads 9.08
